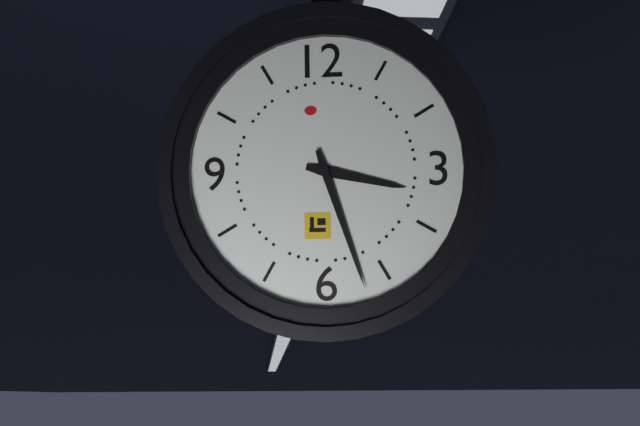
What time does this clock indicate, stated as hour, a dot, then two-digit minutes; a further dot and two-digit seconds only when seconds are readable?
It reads 3.27
